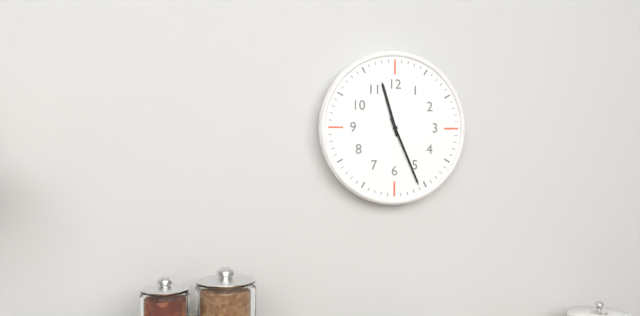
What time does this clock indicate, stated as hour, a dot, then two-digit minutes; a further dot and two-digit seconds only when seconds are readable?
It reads 11.26
